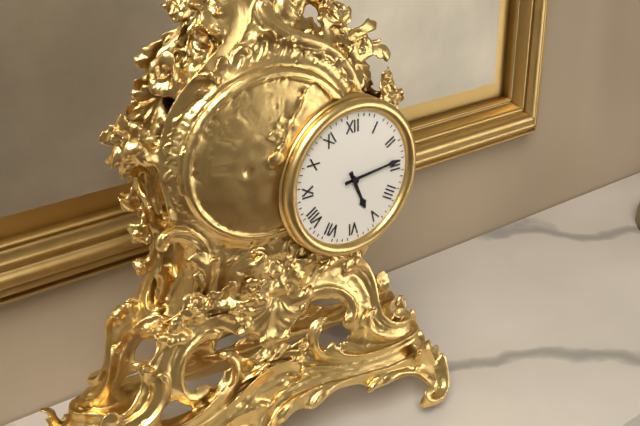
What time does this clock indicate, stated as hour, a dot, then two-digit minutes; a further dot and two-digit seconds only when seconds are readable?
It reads 5.14
